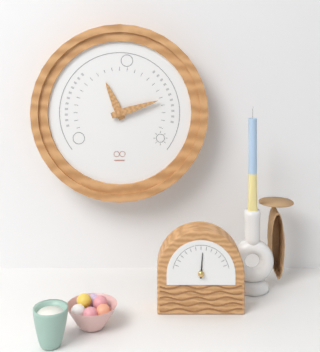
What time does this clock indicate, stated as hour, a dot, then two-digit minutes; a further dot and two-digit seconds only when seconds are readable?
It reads 11.12
